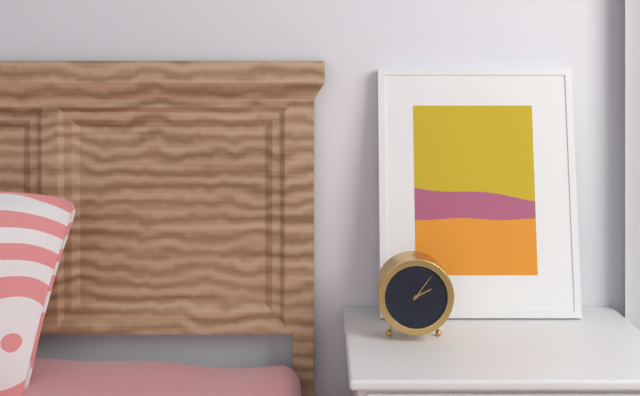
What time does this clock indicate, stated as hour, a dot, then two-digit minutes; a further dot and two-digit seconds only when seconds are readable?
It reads 2.06
